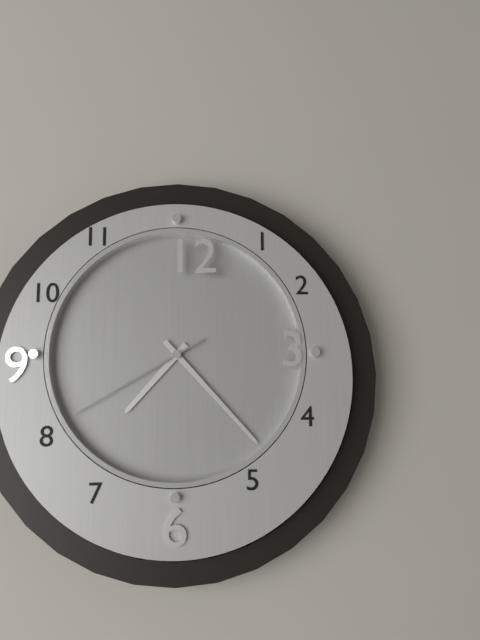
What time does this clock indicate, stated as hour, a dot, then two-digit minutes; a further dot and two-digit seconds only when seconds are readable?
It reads 7.23.40
